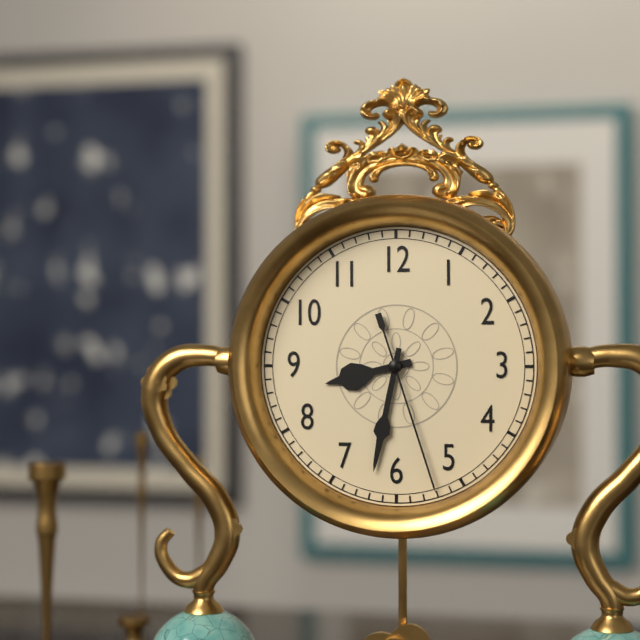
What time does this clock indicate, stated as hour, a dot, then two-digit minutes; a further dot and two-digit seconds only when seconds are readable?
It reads 8.32.27
